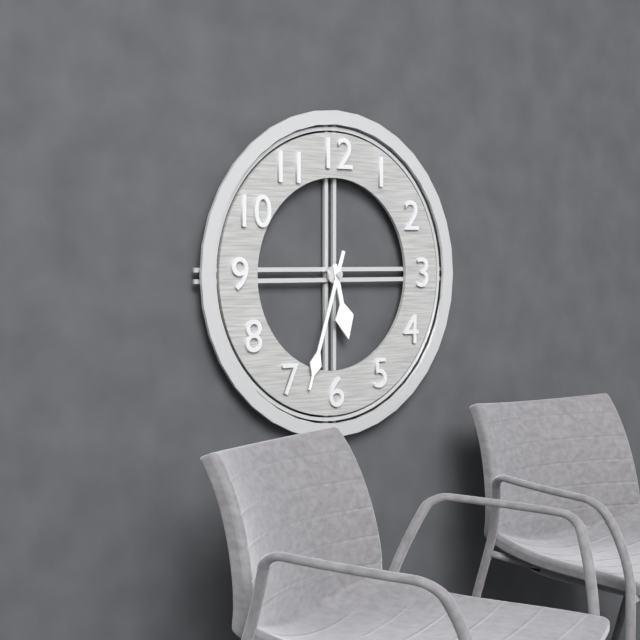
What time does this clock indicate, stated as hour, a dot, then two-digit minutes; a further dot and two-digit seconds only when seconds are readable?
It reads 5.33
